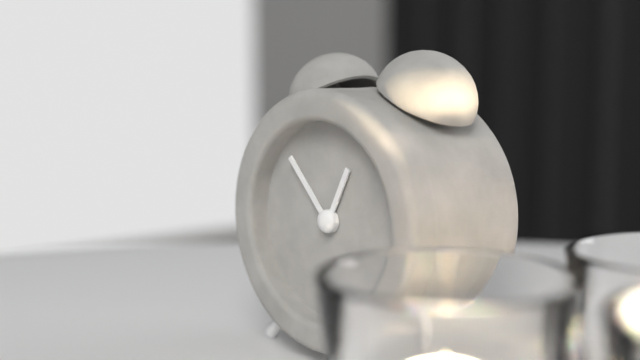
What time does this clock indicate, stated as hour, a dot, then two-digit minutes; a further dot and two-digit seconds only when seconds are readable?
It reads 12.53
